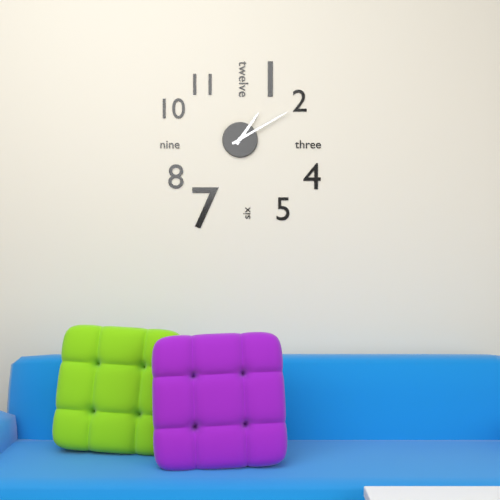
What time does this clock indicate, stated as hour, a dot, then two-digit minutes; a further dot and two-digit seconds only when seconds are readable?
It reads 1.10
